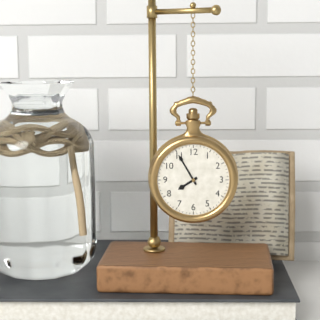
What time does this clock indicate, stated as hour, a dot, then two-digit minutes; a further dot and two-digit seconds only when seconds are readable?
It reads 7.55
